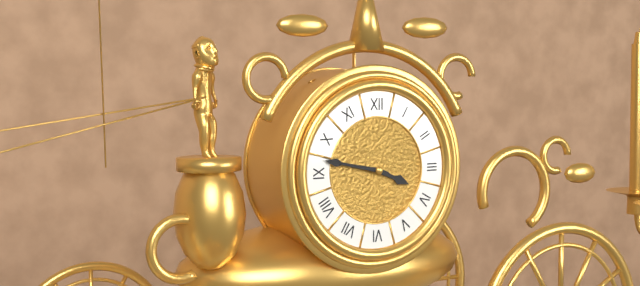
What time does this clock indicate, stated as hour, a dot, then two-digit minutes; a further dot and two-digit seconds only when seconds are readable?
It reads 3.47
